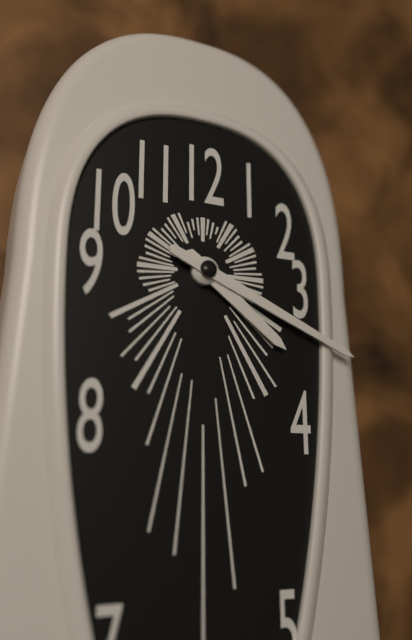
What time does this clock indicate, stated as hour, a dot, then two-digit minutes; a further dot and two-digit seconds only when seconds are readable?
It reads 4.19
